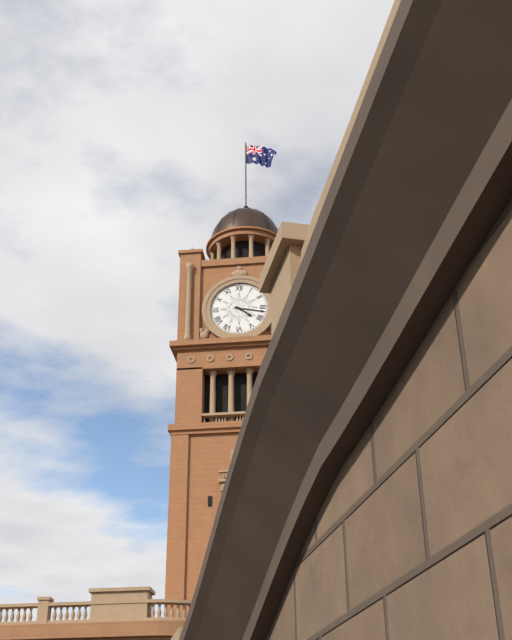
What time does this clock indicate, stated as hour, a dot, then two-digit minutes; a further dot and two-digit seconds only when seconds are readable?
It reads 4.17
